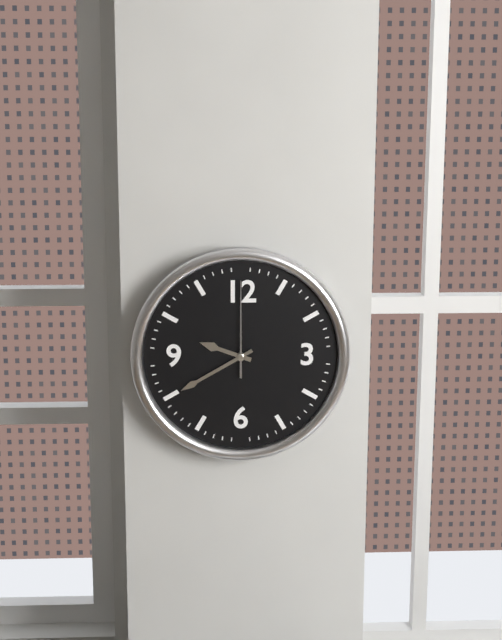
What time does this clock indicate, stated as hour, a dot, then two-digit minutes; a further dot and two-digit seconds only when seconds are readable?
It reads 9.40.00
